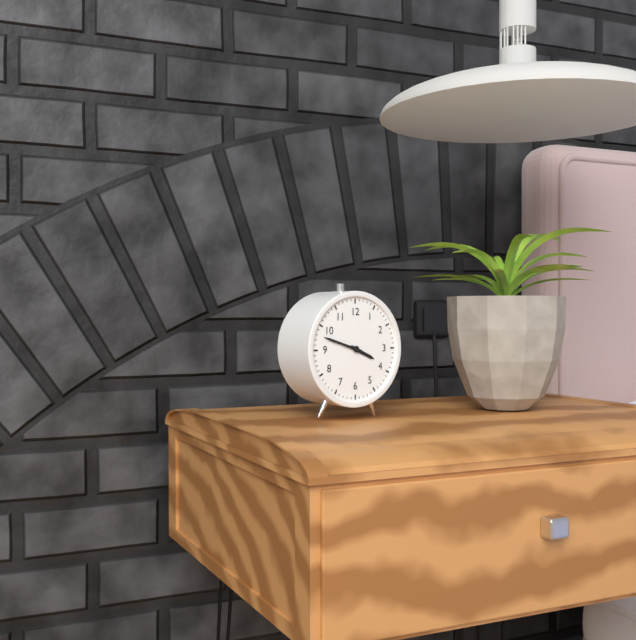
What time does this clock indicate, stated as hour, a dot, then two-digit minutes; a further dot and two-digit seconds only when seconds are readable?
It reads 3.48
